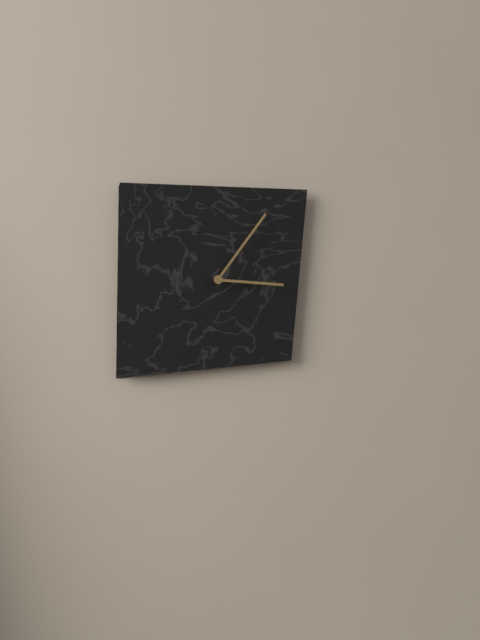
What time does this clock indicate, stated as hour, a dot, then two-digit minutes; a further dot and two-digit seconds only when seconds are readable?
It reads 3.06
